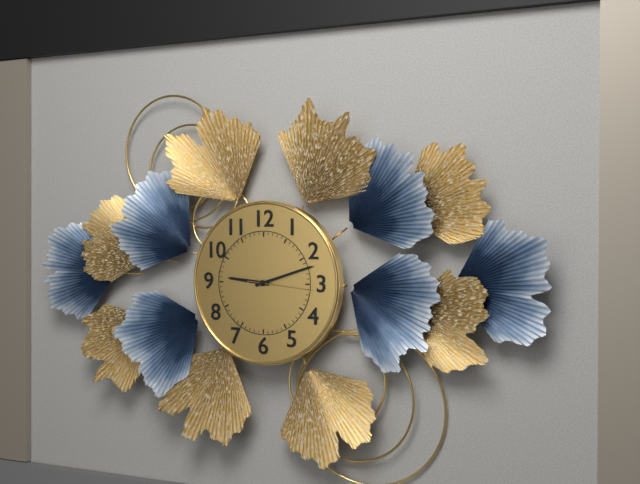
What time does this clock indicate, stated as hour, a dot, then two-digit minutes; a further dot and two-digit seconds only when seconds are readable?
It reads 9.12.16
